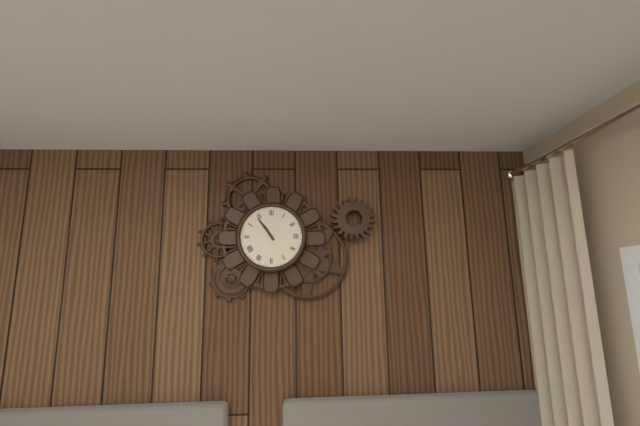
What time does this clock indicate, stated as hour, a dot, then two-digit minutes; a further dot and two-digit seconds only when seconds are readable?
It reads 10.54
